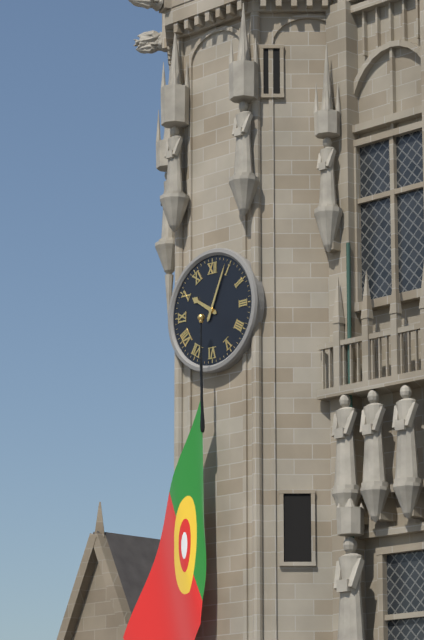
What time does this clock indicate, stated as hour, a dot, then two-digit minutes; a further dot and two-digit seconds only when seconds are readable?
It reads 10.04
